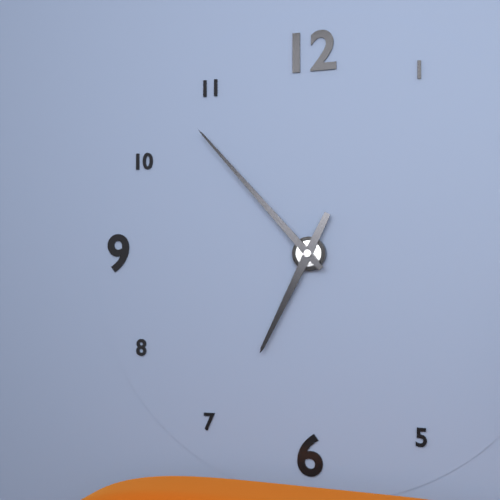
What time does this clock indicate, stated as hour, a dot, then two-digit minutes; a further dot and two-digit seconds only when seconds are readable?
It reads 6.53
